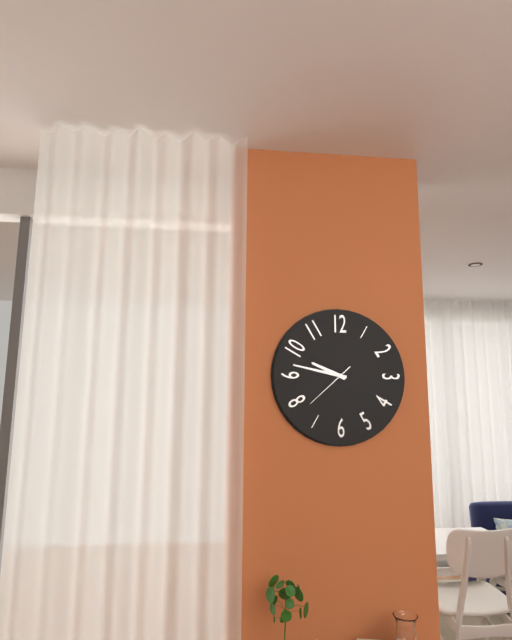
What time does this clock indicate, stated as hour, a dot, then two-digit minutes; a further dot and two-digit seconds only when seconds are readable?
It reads 9.47.38
